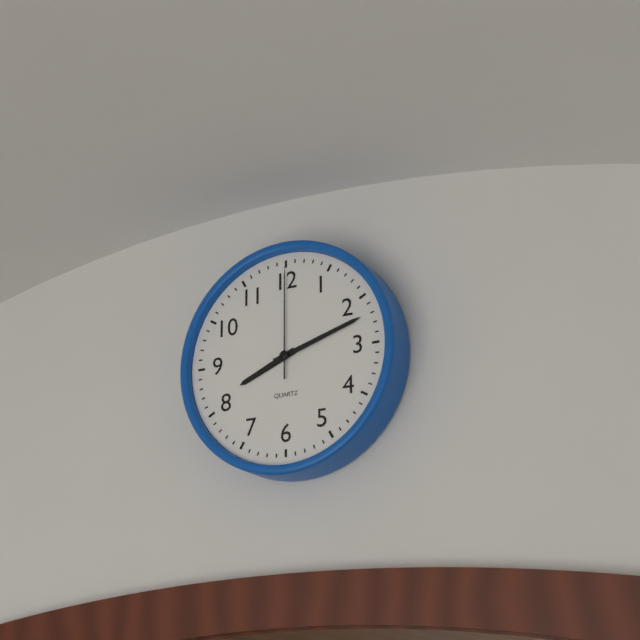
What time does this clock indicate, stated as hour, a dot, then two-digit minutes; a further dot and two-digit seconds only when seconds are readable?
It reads 8.12.00
